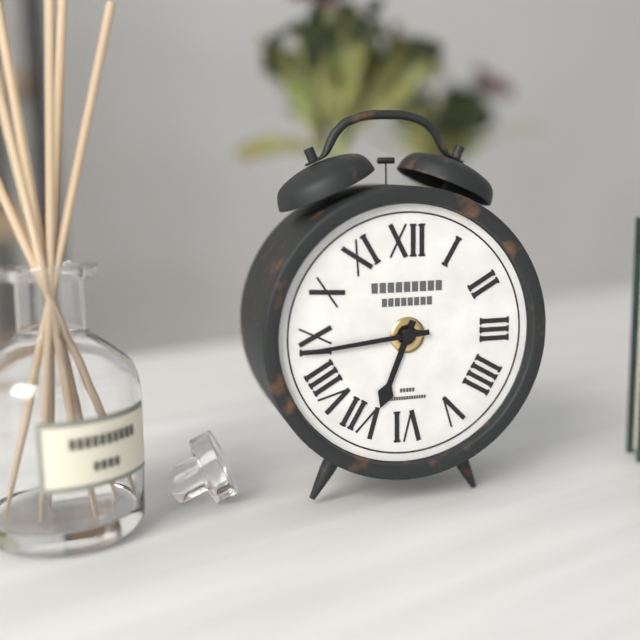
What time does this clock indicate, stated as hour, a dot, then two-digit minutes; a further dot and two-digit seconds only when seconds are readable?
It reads 6.44
